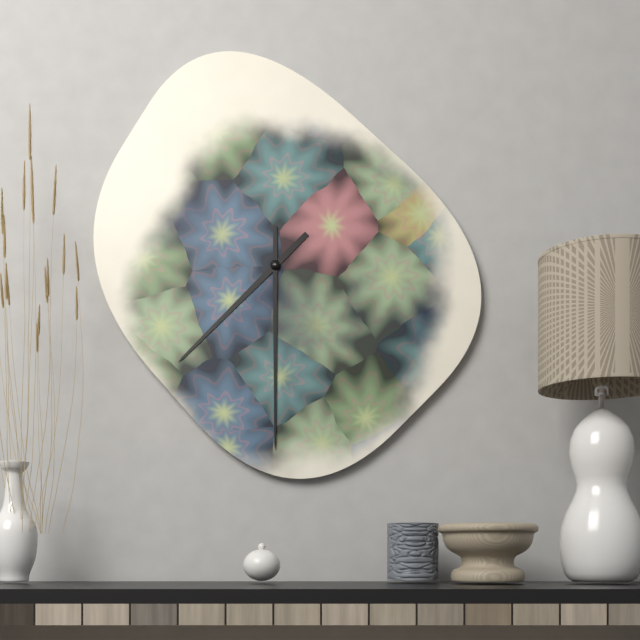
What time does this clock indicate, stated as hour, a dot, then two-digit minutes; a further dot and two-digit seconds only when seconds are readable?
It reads 7.30
